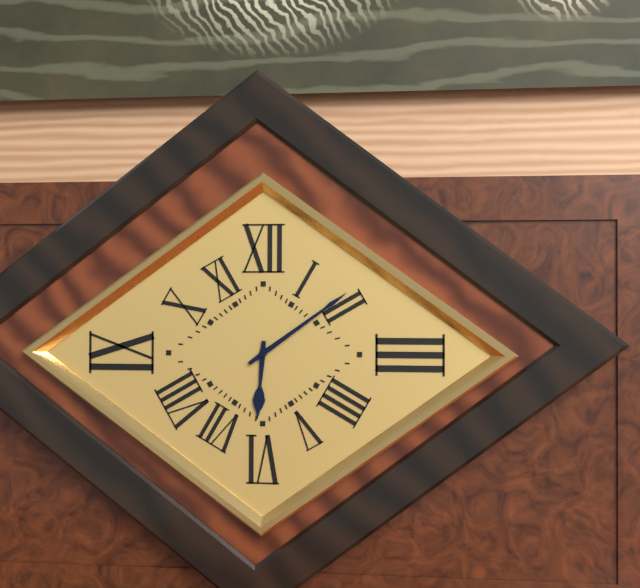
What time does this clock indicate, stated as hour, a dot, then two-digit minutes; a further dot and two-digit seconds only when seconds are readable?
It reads 6.09
